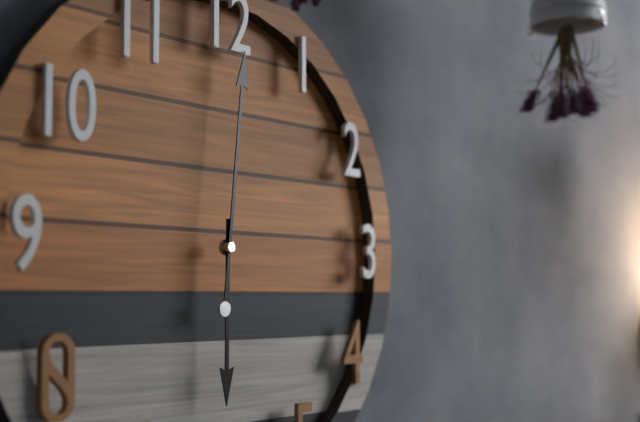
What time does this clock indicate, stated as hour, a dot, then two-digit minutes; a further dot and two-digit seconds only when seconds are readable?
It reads 6.01
